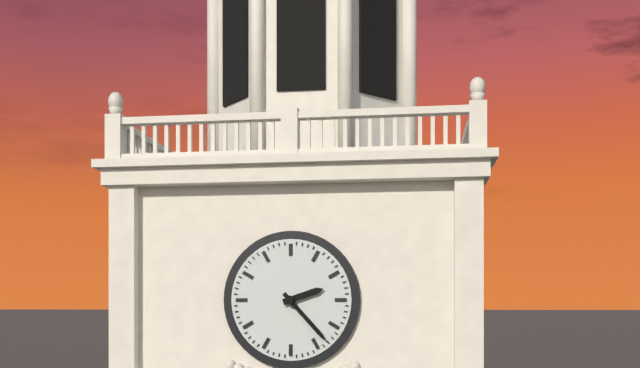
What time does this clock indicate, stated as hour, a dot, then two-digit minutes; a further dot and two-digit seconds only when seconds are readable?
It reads 2.23
